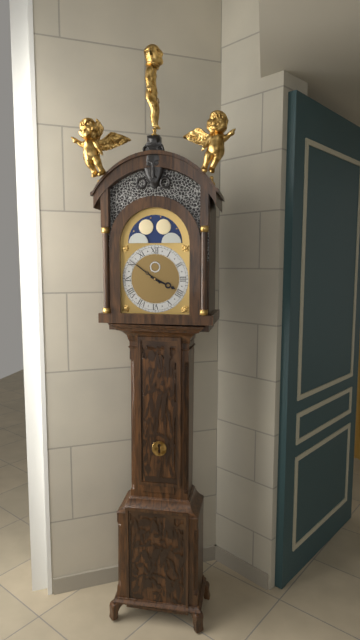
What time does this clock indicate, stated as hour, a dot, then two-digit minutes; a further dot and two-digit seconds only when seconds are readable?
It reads 3.51
